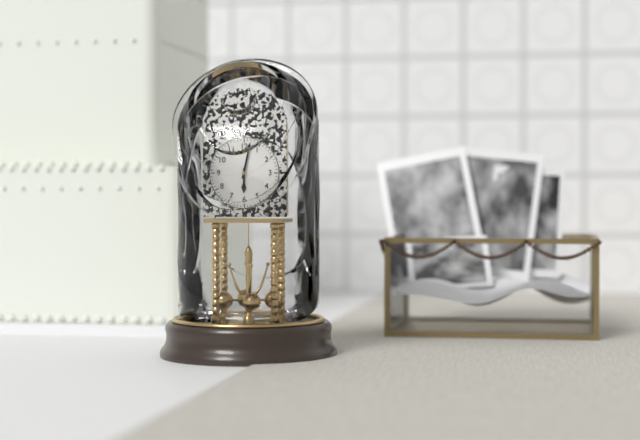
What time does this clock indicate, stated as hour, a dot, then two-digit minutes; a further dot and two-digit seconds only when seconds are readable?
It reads 6.02
